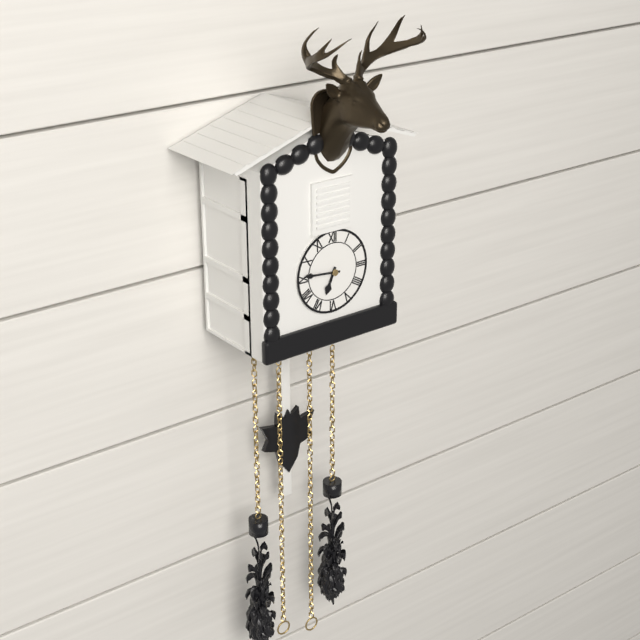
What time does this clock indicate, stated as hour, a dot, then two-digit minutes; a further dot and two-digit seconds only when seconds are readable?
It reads 6.46
